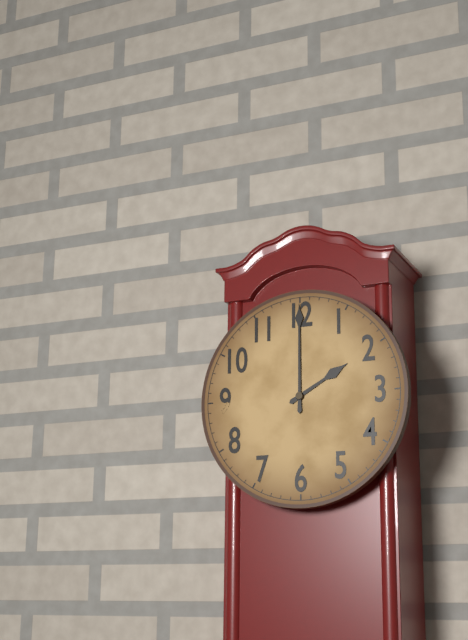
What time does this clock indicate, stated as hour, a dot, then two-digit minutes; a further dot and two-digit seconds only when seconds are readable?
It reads 2.00
